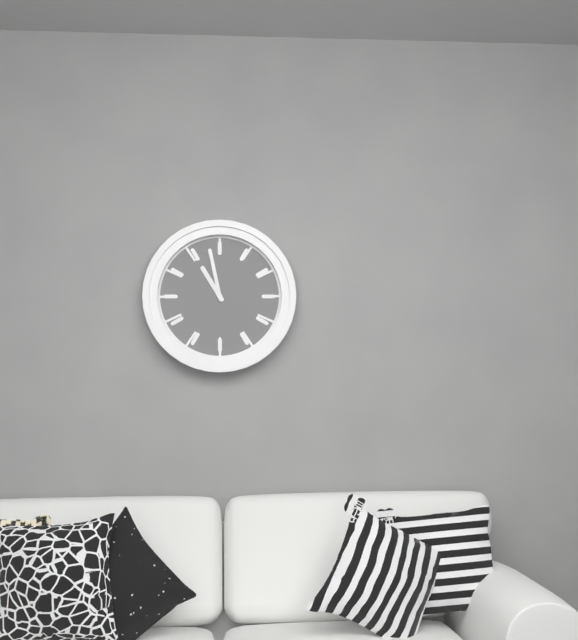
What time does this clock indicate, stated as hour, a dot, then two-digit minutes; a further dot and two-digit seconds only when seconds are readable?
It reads 10.58
